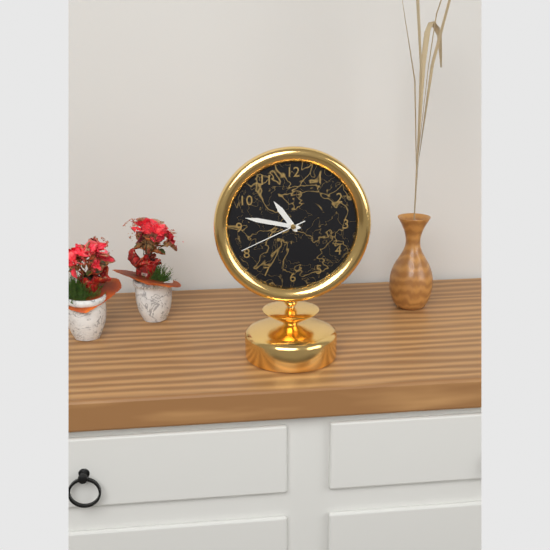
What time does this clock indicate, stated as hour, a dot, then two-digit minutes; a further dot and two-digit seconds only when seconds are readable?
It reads 10.47.41
